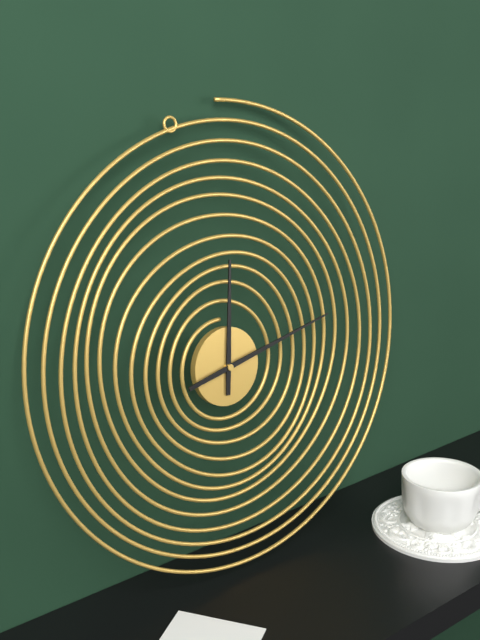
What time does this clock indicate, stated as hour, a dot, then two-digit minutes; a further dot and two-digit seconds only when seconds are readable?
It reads 12.13
